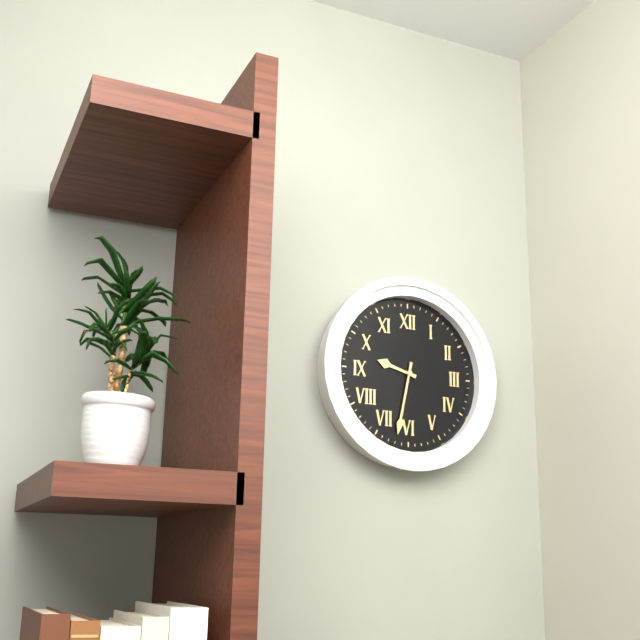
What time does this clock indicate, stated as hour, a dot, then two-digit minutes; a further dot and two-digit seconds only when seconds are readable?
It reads 9.32
